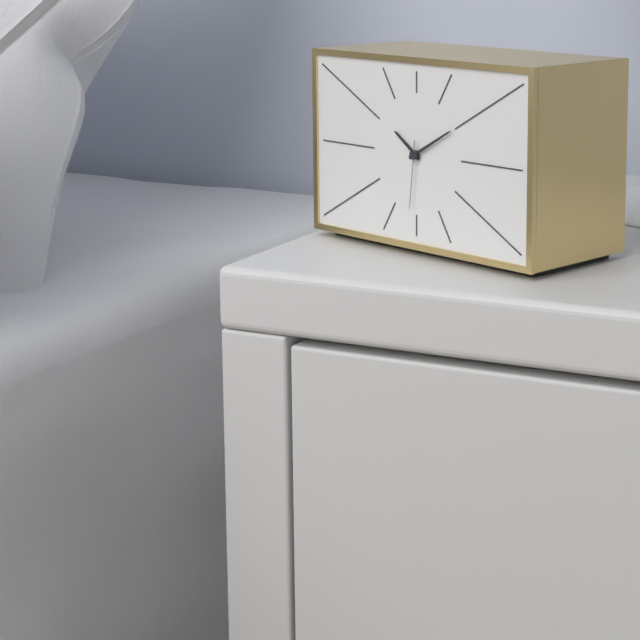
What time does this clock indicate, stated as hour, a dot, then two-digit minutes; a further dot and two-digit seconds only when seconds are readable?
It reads 10.10.31
